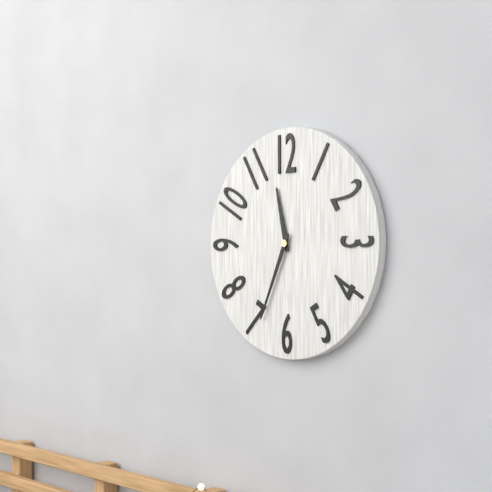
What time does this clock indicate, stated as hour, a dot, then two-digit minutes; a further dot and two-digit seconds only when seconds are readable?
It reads 11.34
